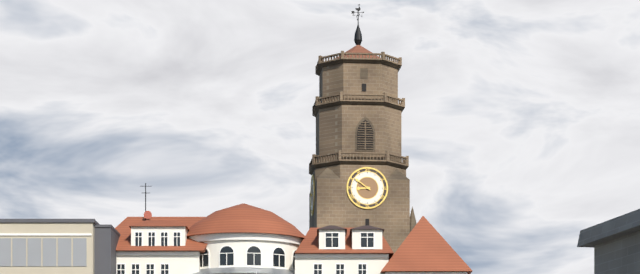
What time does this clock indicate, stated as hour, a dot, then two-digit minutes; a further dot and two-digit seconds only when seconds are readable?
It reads 8.51
